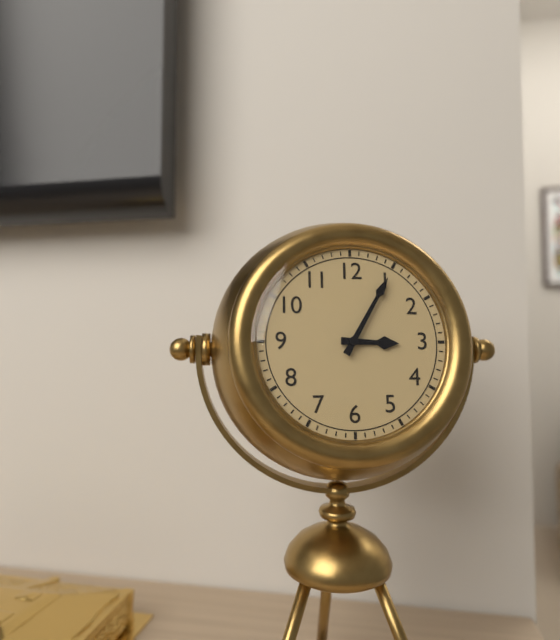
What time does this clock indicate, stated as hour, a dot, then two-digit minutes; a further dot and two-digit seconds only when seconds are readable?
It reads 3.05
